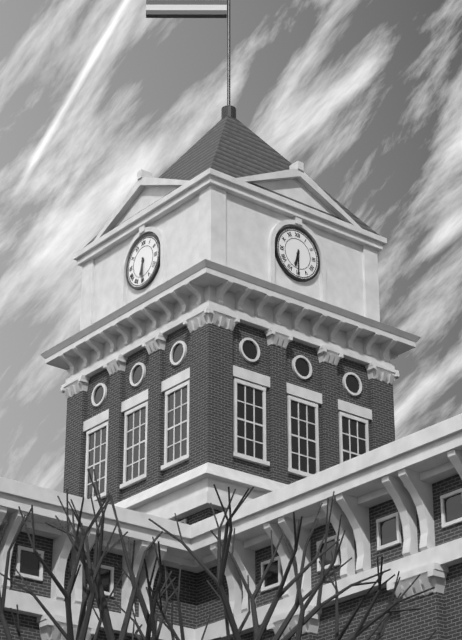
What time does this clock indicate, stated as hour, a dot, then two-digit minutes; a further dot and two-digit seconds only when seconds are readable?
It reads 6.30
